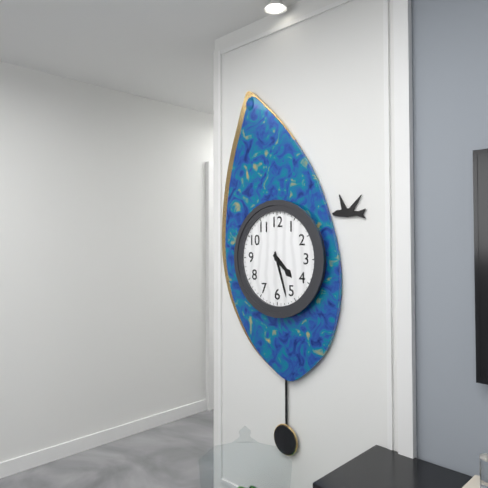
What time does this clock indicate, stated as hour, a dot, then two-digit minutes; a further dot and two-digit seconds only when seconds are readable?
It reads 4.27
